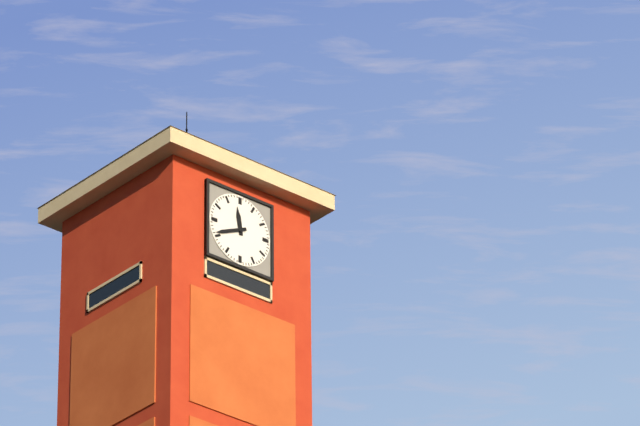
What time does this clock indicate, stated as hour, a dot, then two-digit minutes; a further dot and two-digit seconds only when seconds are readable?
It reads 11.41
